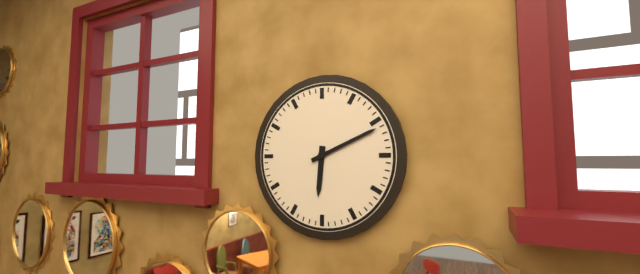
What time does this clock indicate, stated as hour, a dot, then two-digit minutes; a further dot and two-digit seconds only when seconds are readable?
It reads 6.11
